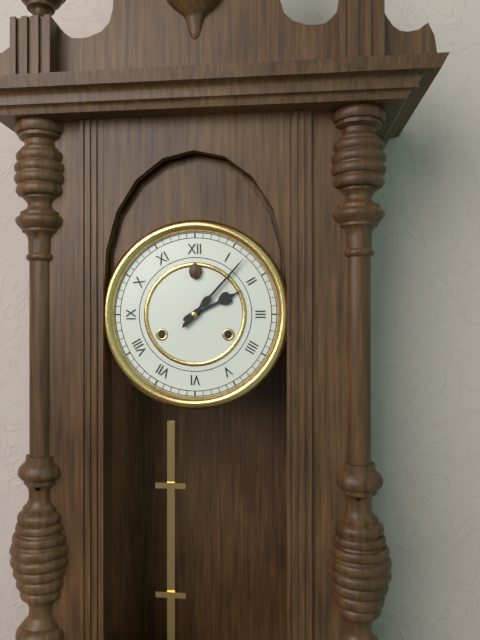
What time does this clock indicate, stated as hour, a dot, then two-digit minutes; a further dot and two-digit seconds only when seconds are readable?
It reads 2.07
